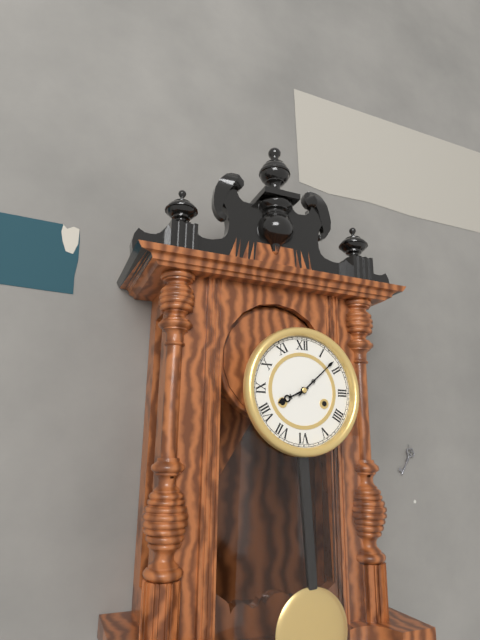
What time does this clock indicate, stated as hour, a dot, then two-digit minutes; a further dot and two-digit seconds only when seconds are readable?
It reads 8.08
